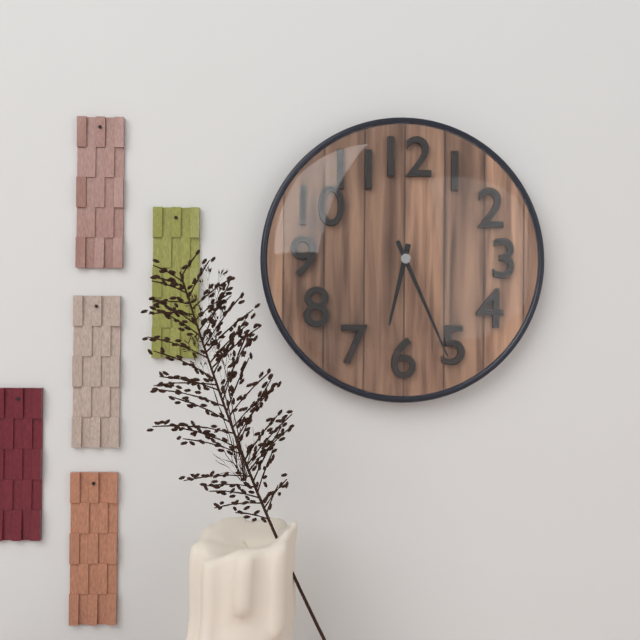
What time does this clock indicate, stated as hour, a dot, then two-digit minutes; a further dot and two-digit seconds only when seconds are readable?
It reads 6.26
